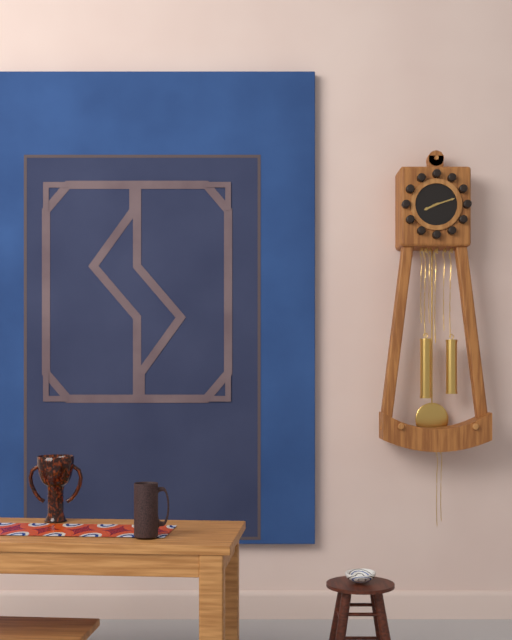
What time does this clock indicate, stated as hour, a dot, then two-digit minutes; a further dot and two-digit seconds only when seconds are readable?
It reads 8.12
